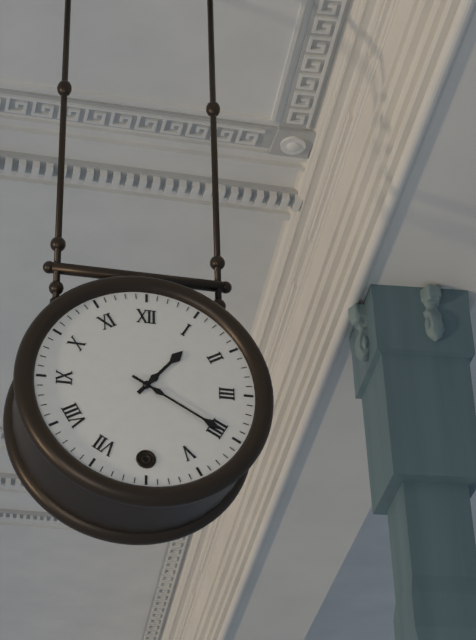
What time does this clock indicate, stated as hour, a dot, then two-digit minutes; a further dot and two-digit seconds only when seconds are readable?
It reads 1.20
